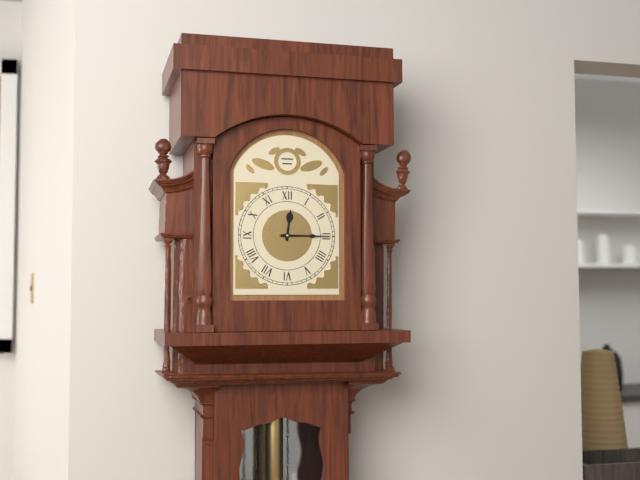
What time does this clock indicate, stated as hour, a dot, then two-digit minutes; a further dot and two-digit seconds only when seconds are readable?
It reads 12.15
